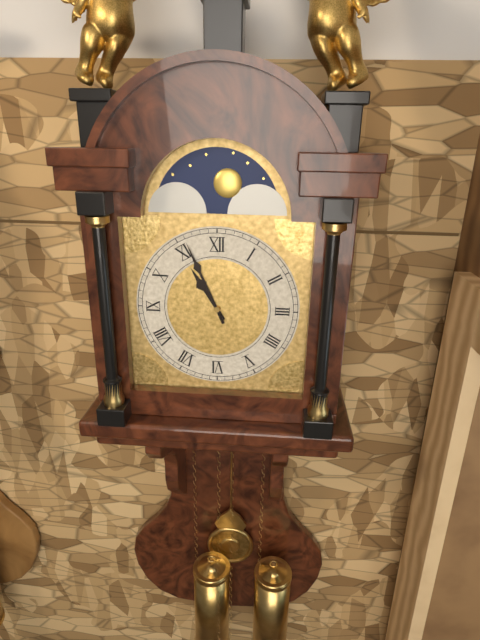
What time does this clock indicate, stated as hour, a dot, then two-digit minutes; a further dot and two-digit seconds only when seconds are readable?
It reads 10.56
